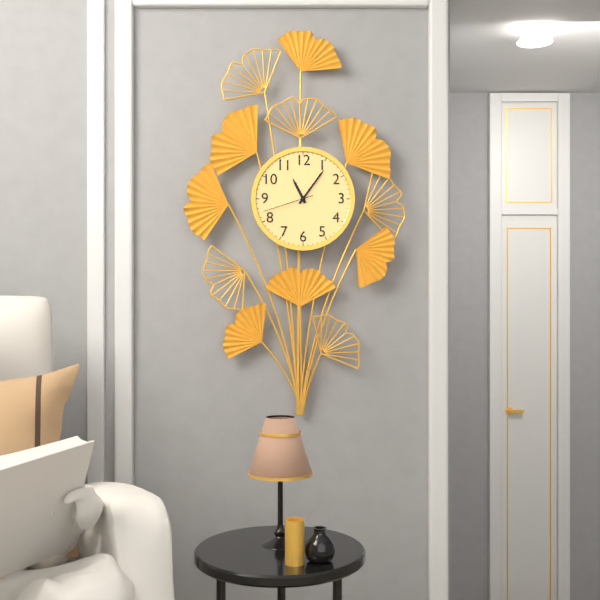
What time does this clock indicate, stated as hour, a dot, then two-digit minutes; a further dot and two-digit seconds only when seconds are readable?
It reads 11.06.42
